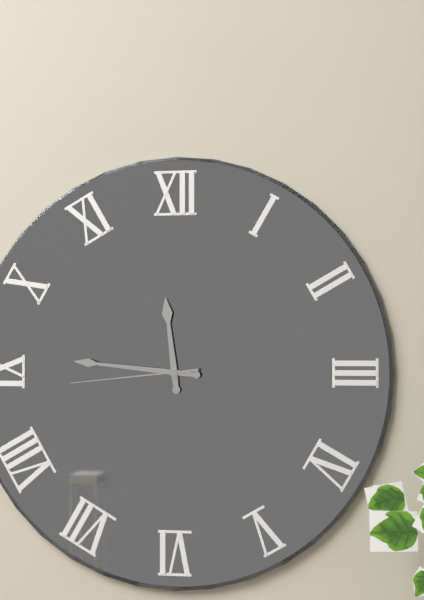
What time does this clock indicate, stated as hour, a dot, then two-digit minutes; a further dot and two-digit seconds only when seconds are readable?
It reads 11.46.44
